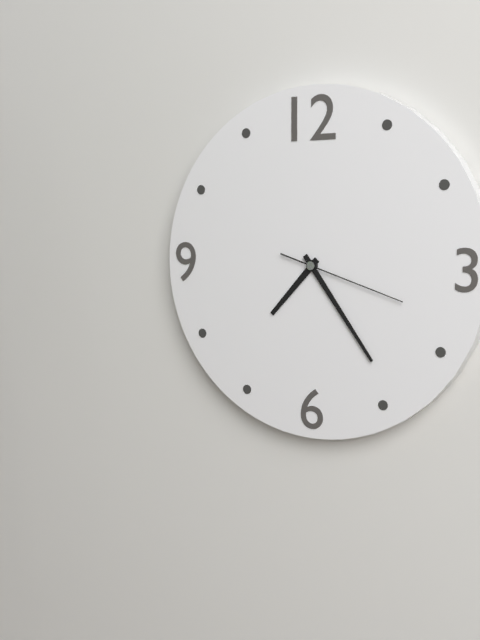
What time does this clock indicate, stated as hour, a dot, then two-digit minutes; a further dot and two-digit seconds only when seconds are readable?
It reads 7.24.18
